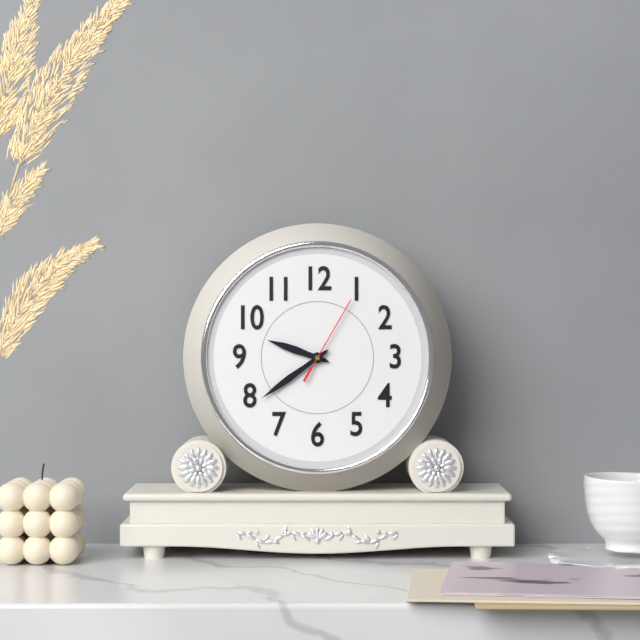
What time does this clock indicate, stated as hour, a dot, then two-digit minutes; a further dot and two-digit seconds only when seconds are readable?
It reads 9.39.05
